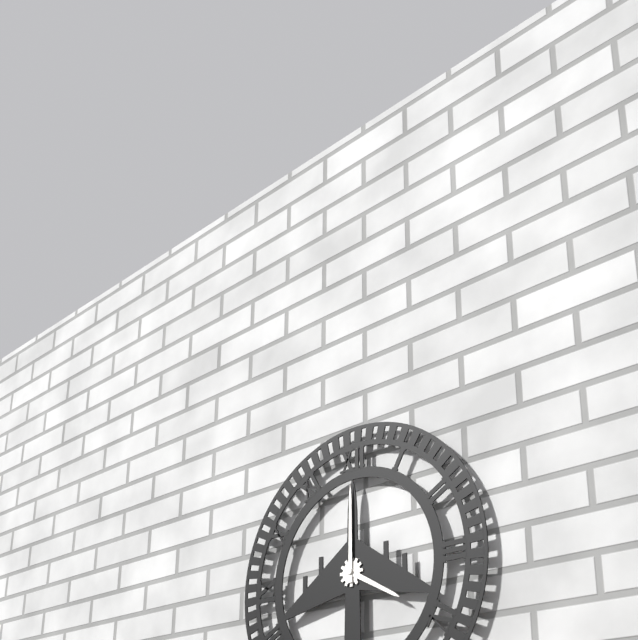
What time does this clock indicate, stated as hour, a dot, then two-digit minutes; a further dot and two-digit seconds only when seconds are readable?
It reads 4.00
